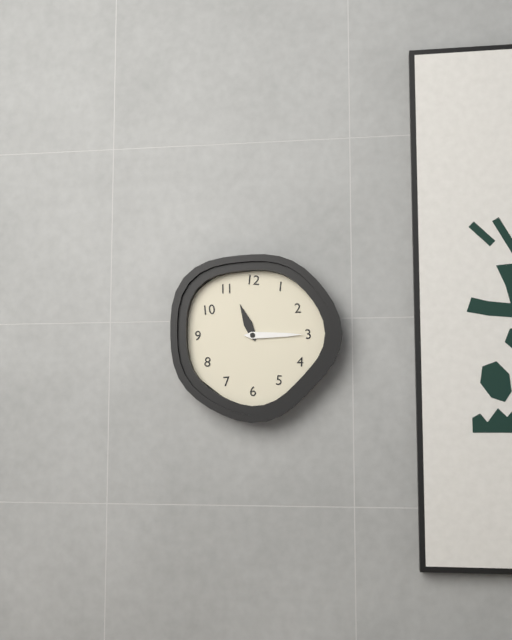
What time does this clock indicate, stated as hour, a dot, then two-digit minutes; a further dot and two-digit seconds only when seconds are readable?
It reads 11.15
